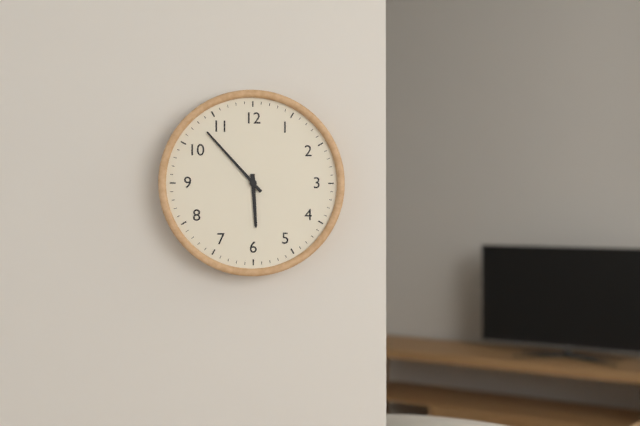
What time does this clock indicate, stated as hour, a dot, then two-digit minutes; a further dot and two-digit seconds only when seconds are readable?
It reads 5.53
